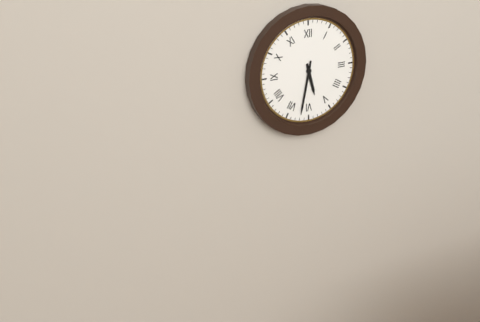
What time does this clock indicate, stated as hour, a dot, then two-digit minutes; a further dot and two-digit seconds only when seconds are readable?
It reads 5.32
